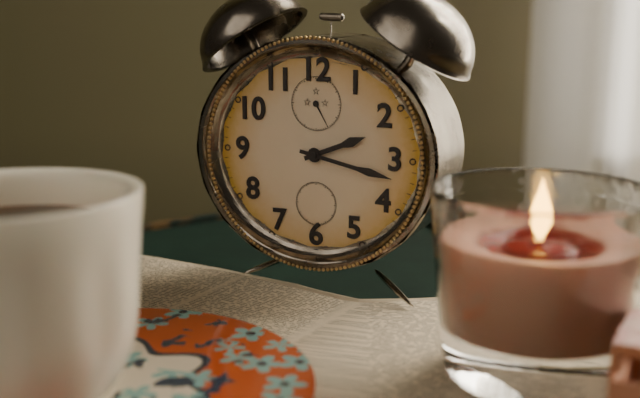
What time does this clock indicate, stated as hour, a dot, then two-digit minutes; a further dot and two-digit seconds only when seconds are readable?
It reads 2.17
